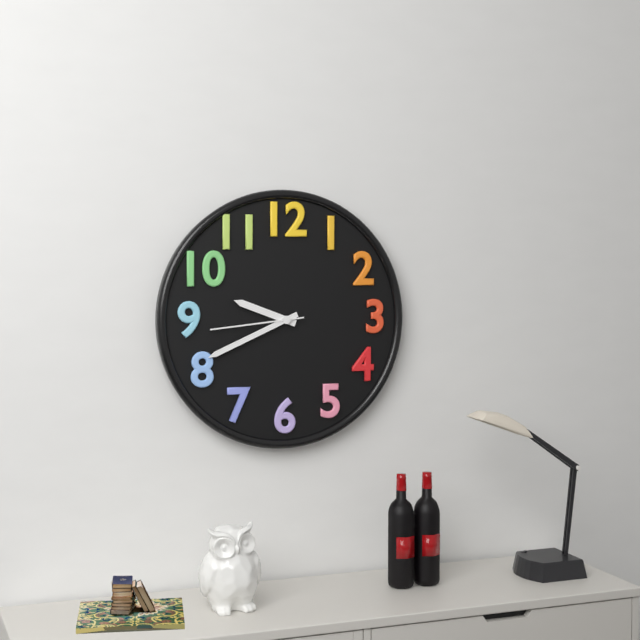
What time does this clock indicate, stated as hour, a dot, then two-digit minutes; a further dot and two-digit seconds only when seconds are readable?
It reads 9.41.44
